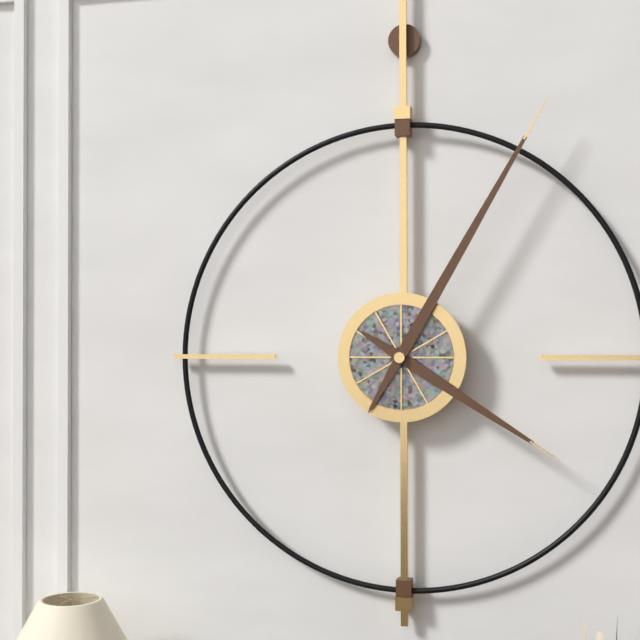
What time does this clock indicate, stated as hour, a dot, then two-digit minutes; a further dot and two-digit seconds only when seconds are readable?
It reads 4.05
